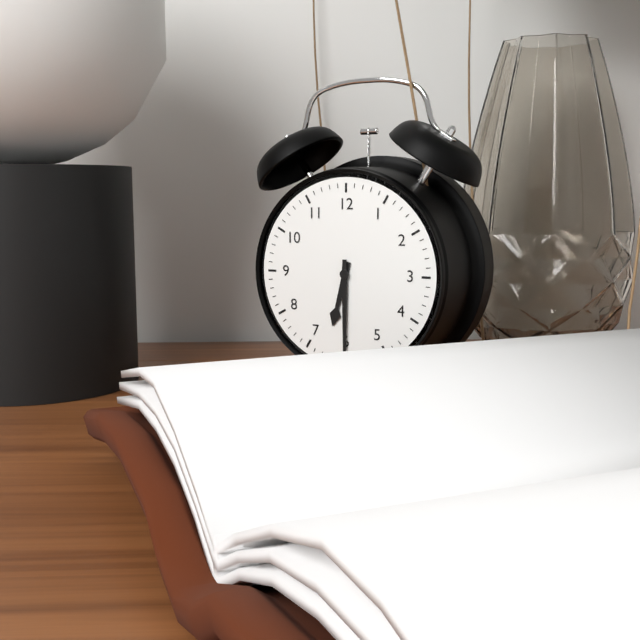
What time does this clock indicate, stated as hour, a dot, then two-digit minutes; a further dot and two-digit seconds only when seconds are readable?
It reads 6.30
